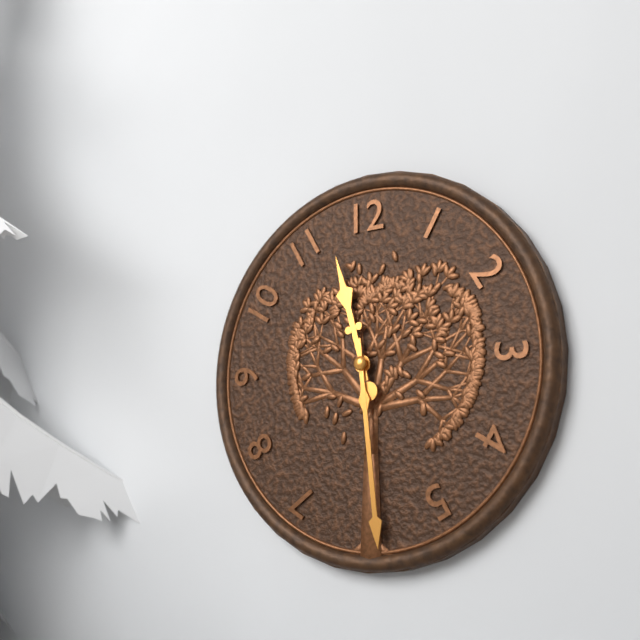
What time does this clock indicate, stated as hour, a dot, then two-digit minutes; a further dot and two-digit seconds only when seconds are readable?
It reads 11.29
